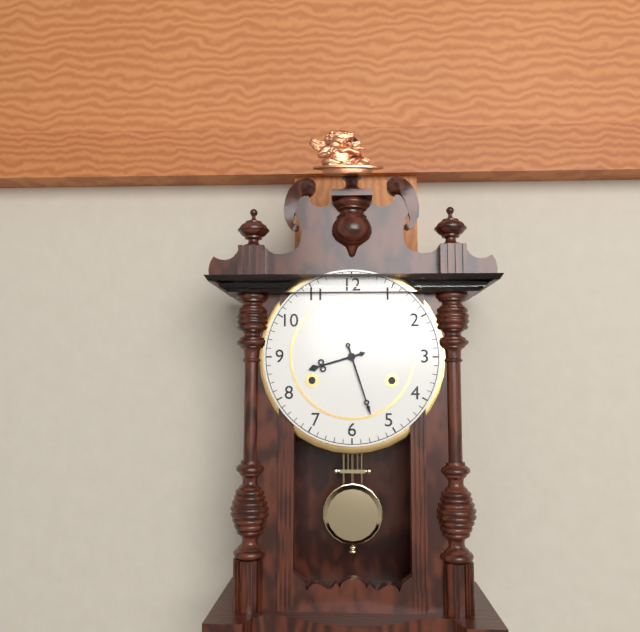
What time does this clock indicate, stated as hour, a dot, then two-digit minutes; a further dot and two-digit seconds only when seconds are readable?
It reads 8.27
